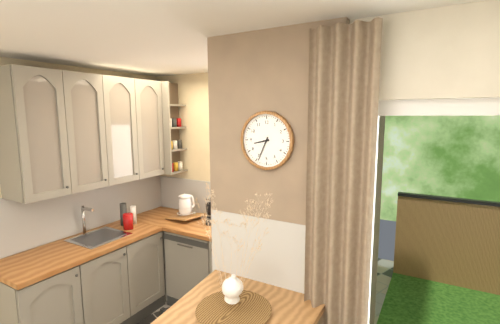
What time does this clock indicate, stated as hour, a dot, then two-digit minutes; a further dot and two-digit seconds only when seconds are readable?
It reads 8.34
